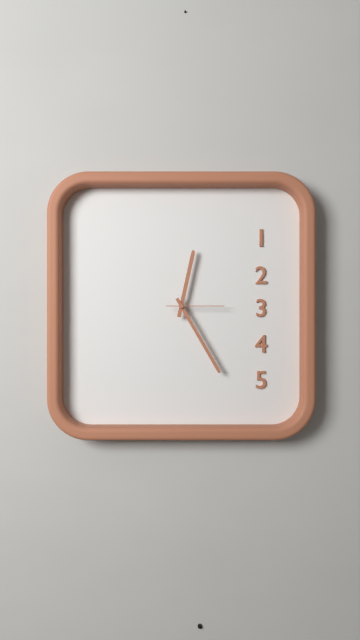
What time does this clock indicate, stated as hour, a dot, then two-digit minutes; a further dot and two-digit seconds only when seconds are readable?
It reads 12.25.15
